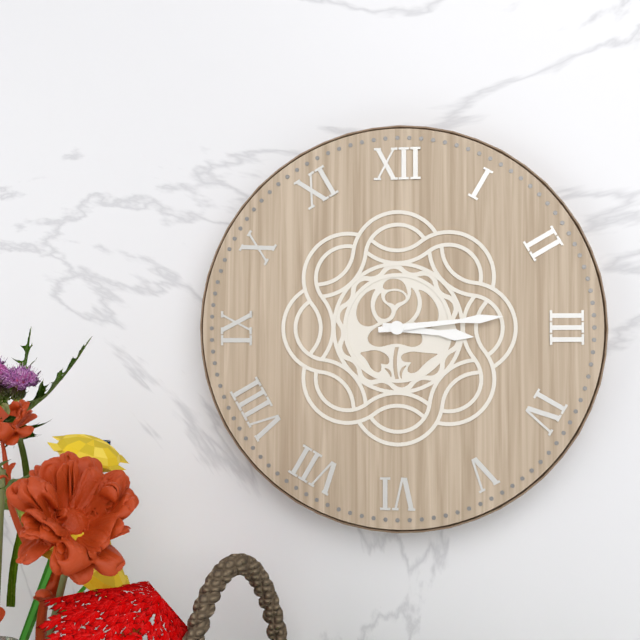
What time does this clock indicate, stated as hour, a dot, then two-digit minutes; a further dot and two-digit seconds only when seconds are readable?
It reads 3.14
